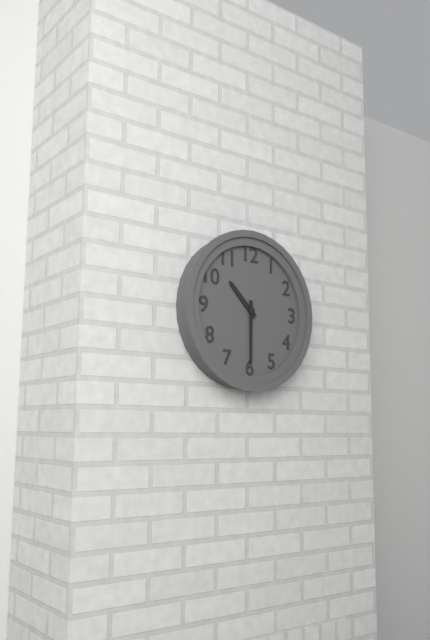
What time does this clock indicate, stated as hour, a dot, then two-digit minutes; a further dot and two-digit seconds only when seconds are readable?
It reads 10.30
